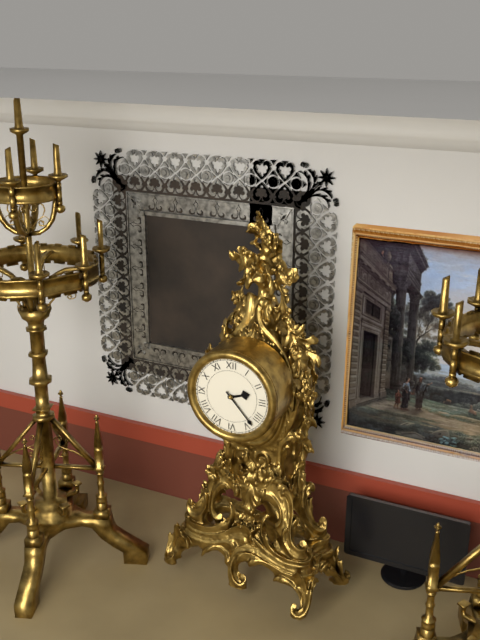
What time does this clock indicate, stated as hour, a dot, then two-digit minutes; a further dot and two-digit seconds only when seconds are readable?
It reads 2.23
